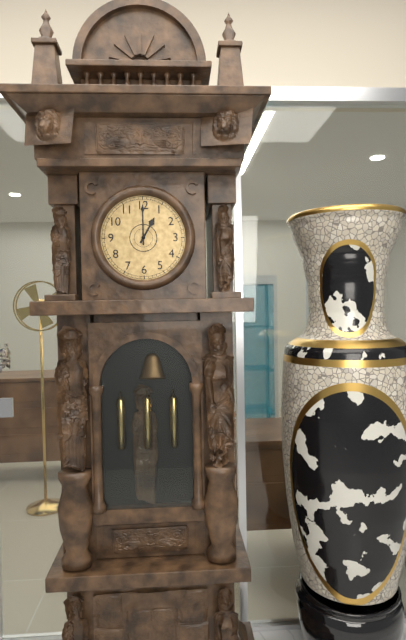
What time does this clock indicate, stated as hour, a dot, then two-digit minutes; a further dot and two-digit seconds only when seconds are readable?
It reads 1.00
